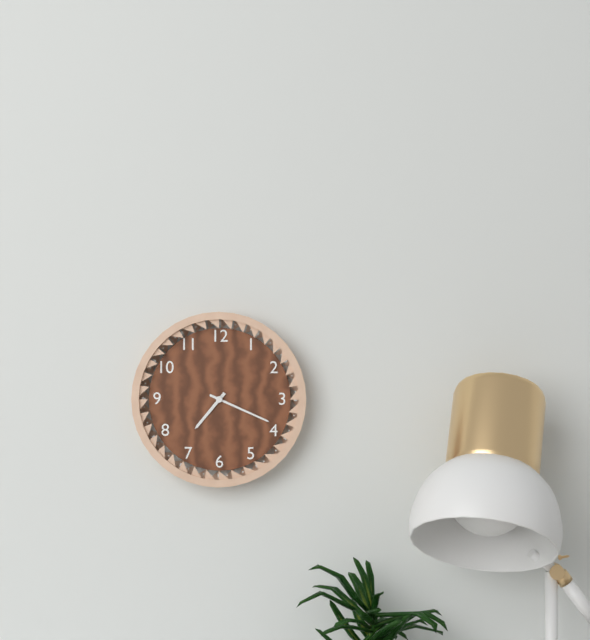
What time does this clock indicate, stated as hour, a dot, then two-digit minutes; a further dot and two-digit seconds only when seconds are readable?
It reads 7.19
